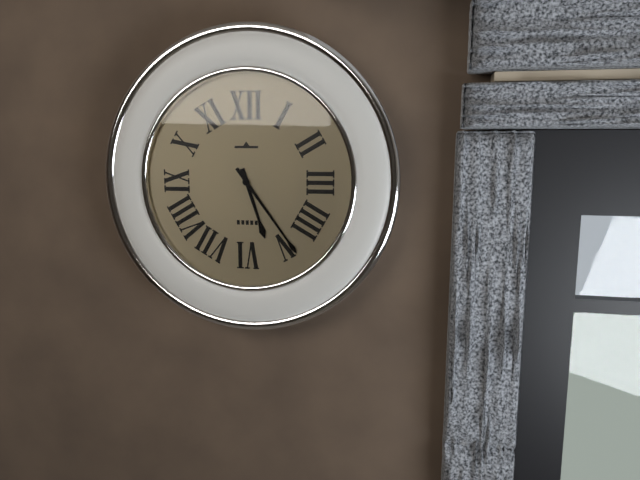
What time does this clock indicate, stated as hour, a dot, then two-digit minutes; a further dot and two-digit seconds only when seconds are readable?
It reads 5.24
